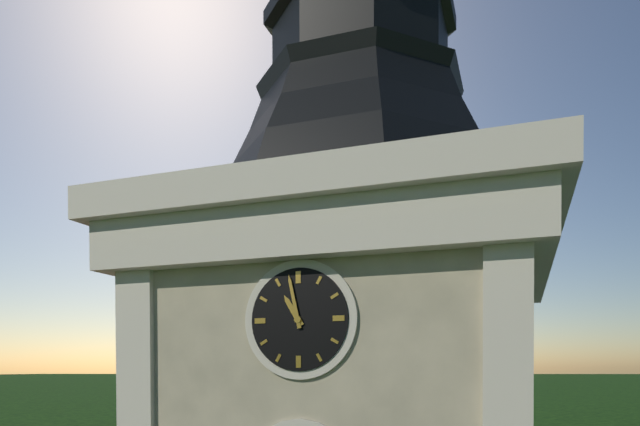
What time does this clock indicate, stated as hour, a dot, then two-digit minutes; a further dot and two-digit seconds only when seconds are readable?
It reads 10.58
